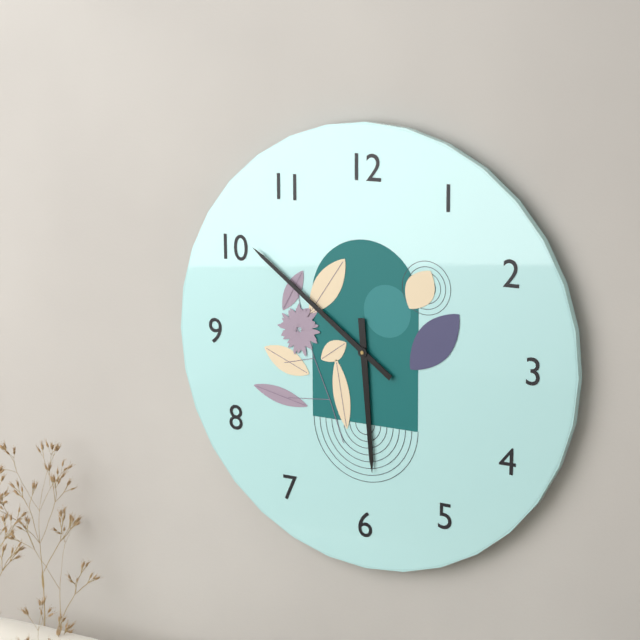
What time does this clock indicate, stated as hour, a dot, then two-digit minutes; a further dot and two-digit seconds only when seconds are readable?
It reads 5.51
